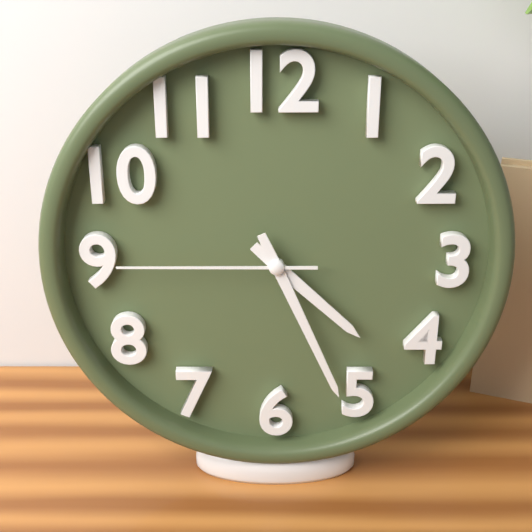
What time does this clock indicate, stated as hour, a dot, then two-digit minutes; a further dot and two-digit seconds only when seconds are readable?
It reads 4.26.45
